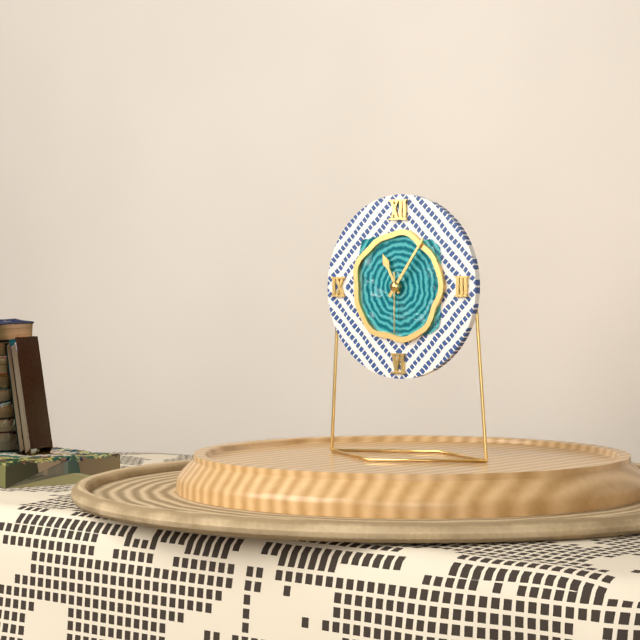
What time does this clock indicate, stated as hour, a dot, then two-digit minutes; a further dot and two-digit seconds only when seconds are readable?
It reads 11.06.30
